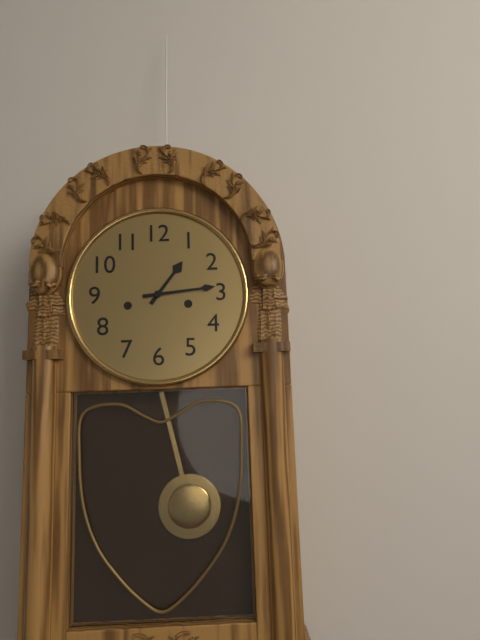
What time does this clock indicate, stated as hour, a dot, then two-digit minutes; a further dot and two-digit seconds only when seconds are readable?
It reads 1.14
